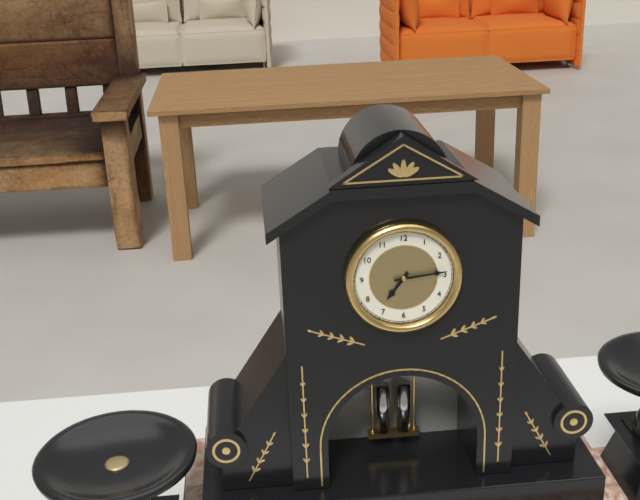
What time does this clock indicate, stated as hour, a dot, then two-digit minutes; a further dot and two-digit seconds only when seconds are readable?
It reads 7.14
